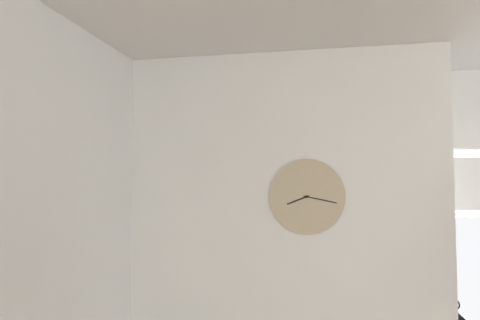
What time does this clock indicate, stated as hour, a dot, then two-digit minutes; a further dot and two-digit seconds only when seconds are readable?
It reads 8.17
